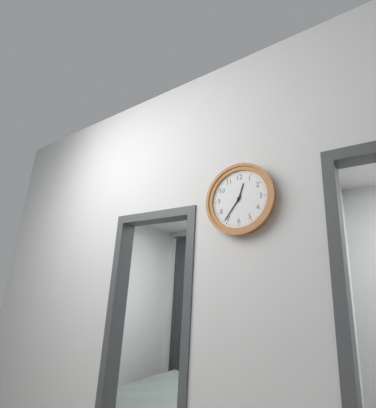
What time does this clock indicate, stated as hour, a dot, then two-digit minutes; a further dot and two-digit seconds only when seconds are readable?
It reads 12.36
